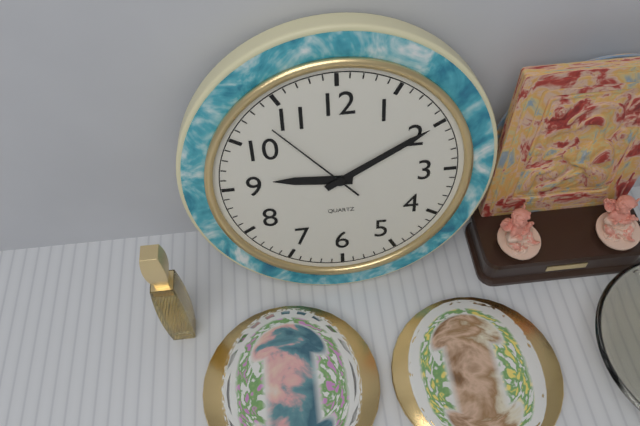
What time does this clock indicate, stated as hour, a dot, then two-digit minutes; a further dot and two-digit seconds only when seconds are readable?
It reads 9.10.53
